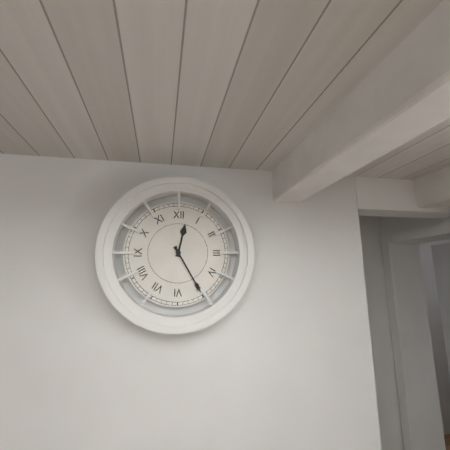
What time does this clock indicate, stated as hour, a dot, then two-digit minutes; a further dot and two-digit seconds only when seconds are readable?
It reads 12.25
